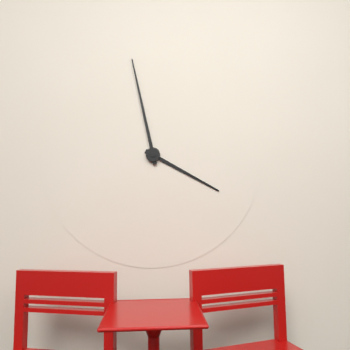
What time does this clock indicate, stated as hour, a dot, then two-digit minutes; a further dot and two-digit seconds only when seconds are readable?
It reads 3.58
